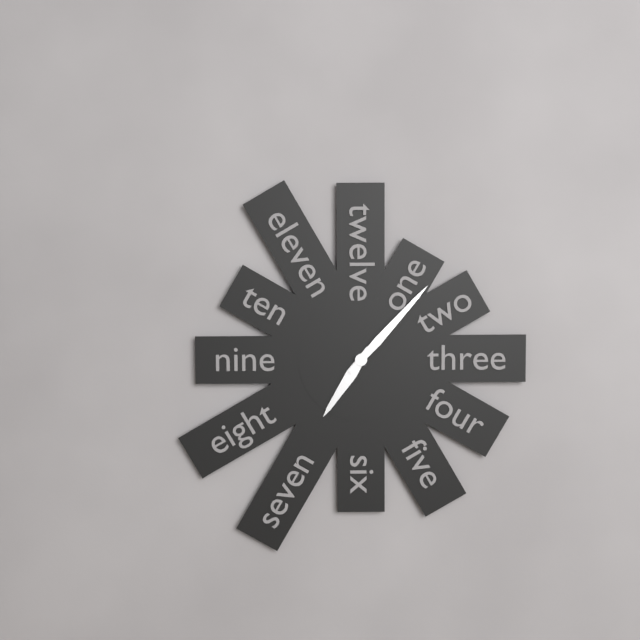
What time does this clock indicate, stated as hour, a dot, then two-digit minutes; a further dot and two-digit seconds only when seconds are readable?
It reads 7.07
